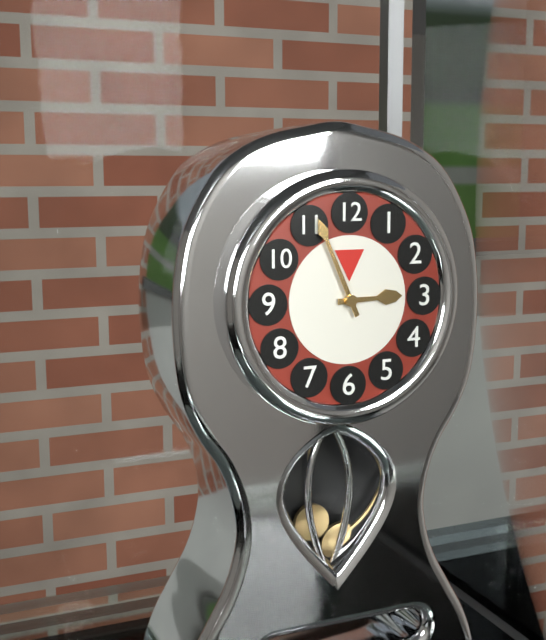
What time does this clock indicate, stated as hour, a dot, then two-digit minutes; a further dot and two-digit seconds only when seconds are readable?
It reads 2.56
